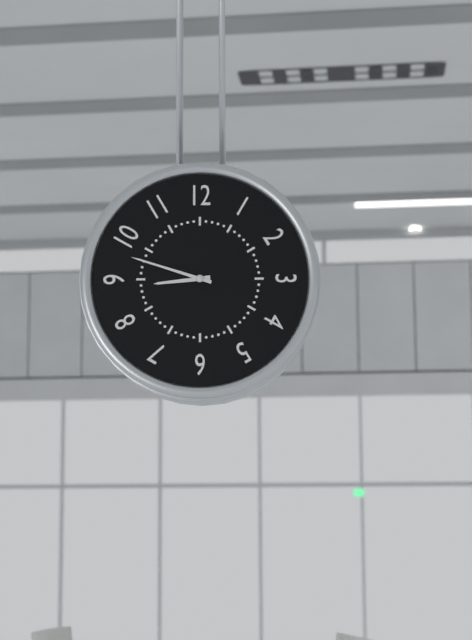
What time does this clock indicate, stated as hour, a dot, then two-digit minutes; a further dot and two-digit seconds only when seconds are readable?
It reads 8.48
